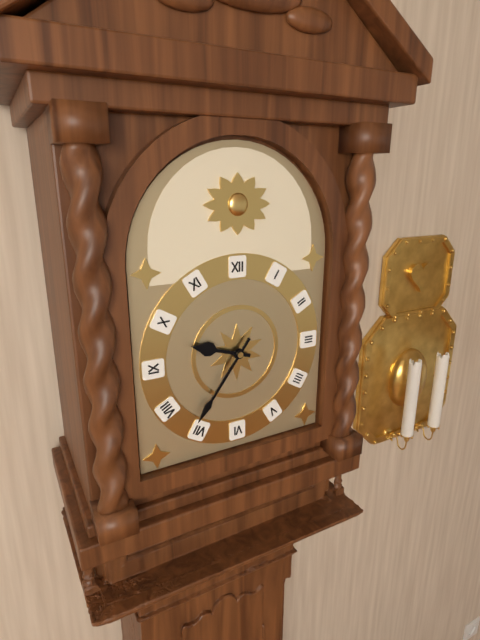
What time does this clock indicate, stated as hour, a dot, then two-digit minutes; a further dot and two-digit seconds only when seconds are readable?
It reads 9.36
